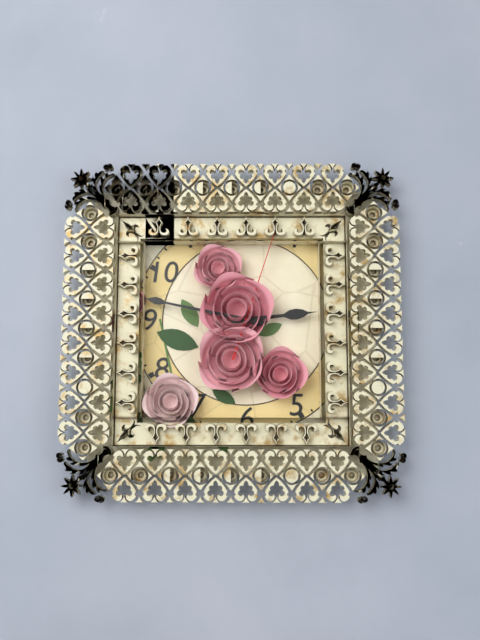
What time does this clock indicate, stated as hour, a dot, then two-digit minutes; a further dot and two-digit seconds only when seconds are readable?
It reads 2.47.03
